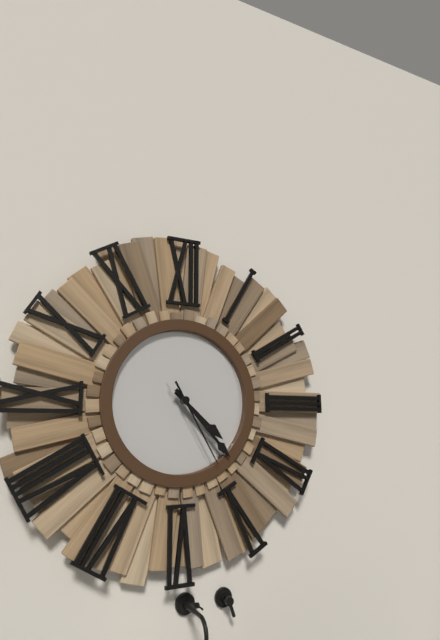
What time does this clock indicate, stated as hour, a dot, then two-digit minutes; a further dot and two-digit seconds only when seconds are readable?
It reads 4.23.25
